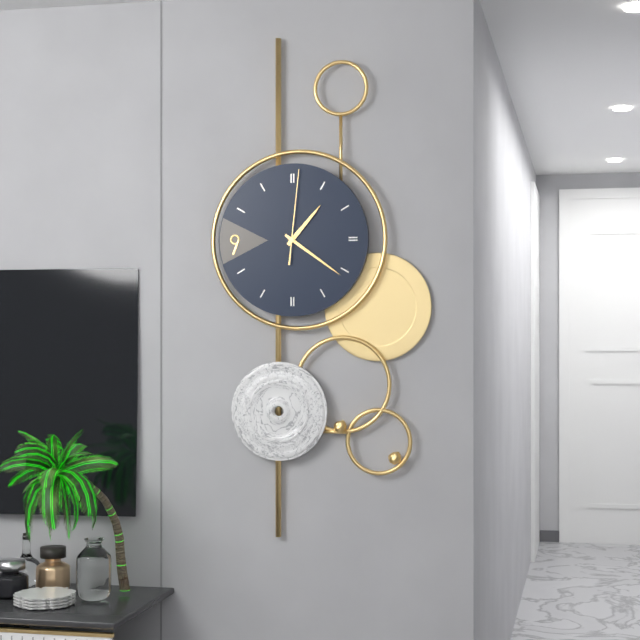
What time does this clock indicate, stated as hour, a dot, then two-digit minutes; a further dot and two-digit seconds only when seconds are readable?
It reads 1.21.01
